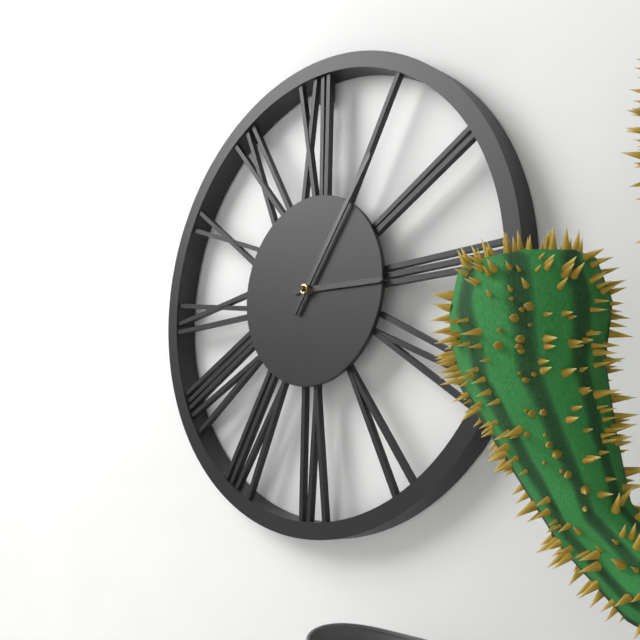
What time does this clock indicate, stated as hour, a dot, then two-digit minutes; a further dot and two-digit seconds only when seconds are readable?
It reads 3.06
